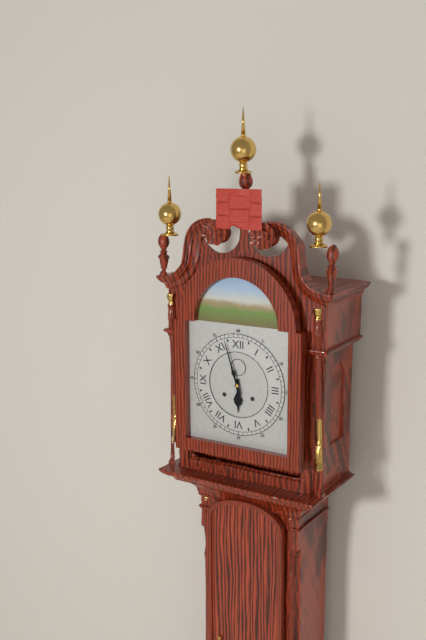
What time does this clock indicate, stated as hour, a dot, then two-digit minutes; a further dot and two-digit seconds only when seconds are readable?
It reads 5.57
